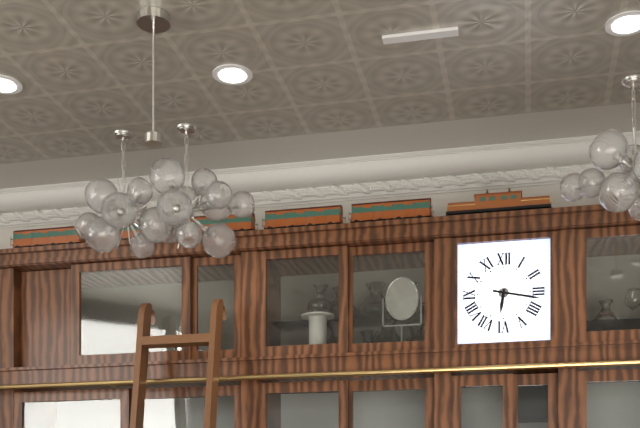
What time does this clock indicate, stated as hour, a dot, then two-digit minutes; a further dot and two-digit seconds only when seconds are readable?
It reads 6.17
